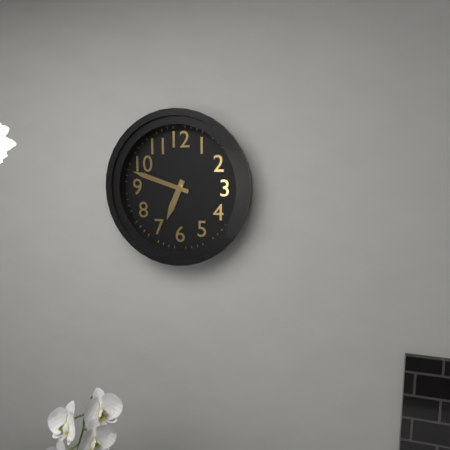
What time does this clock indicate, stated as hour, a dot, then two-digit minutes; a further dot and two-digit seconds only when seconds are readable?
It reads 6.48
